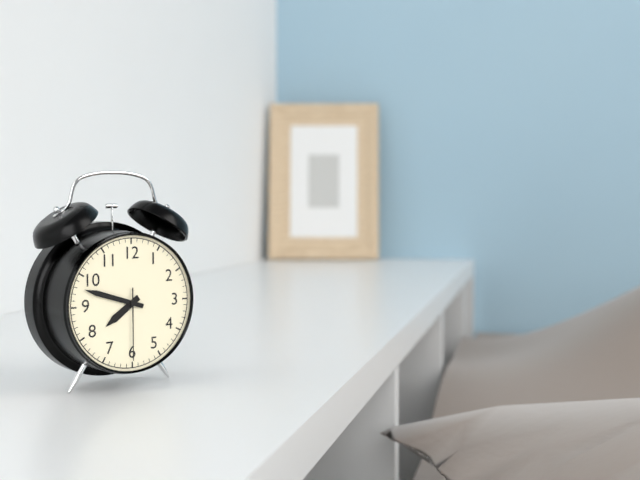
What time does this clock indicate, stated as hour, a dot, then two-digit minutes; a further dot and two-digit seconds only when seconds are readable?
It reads 7.48.30
